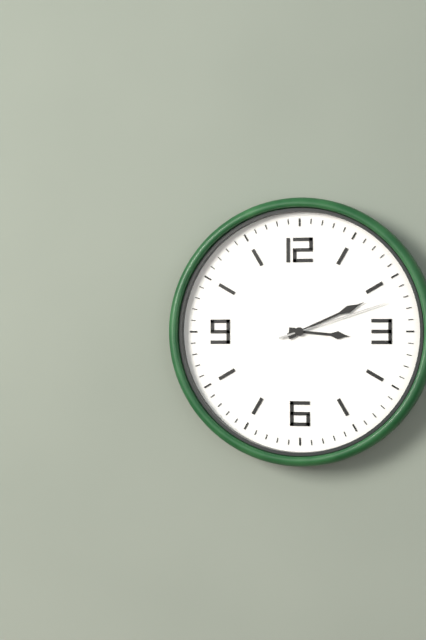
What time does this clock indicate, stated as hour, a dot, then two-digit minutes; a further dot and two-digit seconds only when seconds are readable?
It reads 3.11.12
